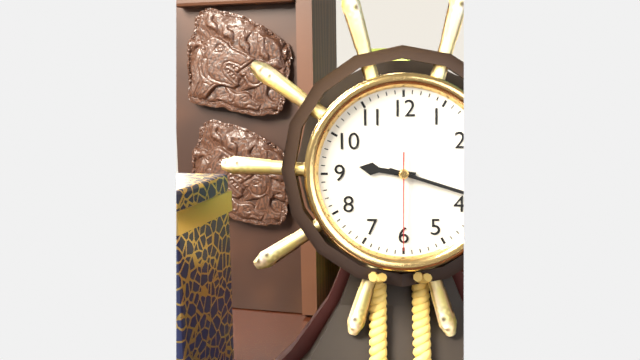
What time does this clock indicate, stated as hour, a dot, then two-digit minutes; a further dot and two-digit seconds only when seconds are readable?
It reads 9.18.30
